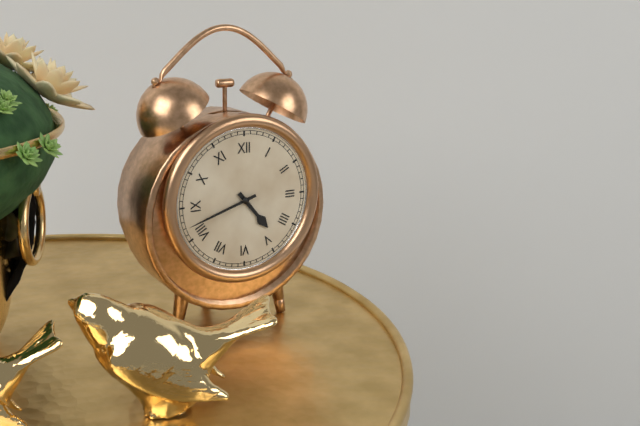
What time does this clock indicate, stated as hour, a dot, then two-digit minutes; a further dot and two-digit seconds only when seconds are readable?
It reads 4.42
